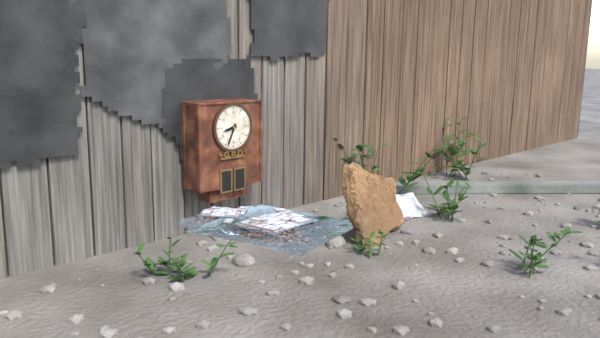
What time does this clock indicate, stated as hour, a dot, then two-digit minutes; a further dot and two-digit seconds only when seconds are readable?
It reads 8.34
